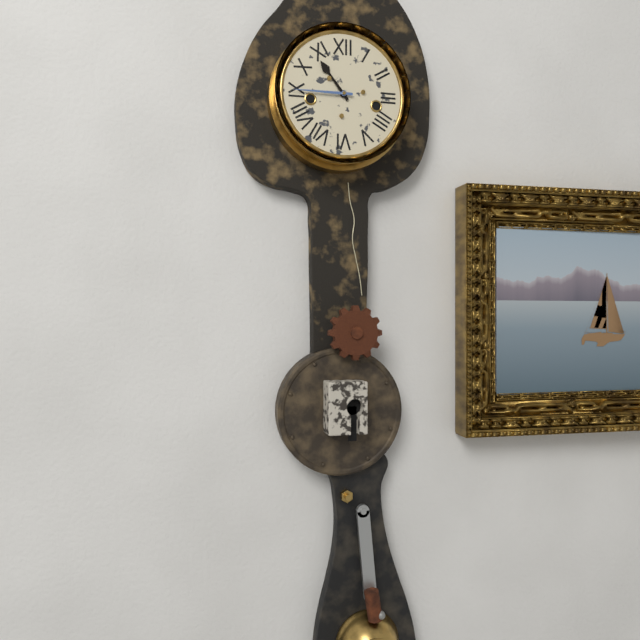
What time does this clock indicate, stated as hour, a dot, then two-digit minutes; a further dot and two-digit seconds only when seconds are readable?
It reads 10.45
